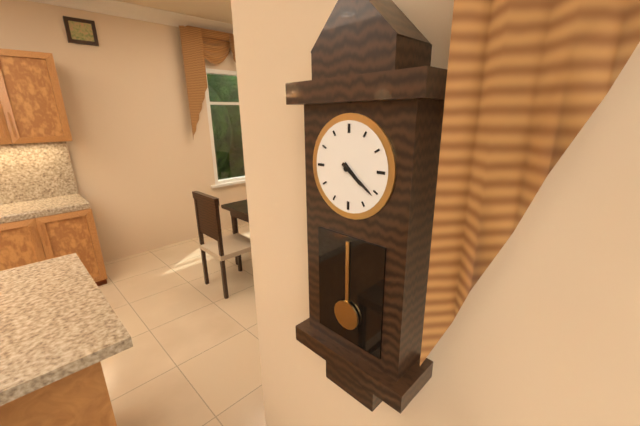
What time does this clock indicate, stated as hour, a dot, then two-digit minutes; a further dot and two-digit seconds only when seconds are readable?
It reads 4.21
